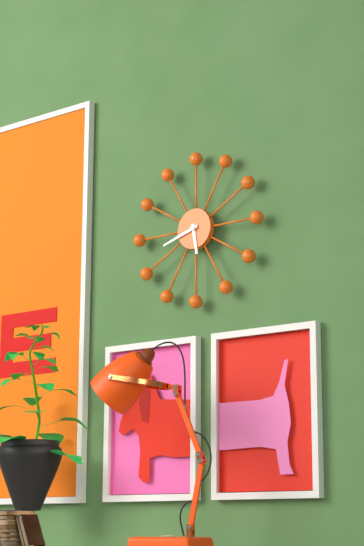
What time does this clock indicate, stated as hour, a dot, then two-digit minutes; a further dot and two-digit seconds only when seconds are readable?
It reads 5.42
